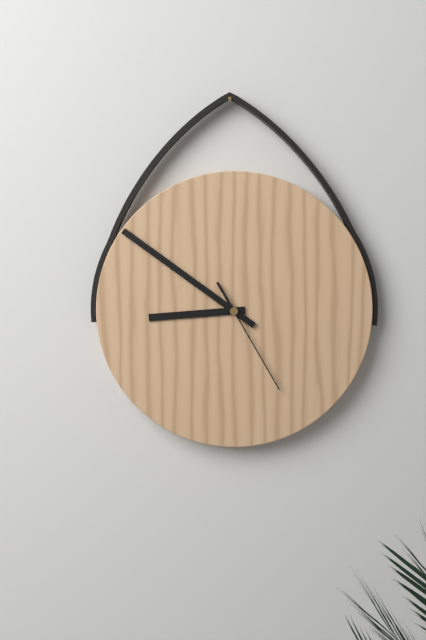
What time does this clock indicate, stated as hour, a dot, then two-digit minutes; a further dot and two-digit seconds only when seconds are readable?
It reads 8.51.25
